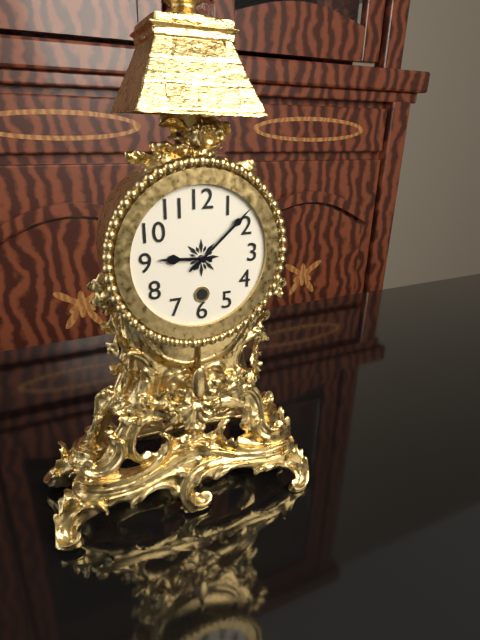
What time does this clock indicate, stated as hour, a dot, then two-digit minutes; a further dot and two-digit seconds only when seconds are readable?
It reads 9.08
